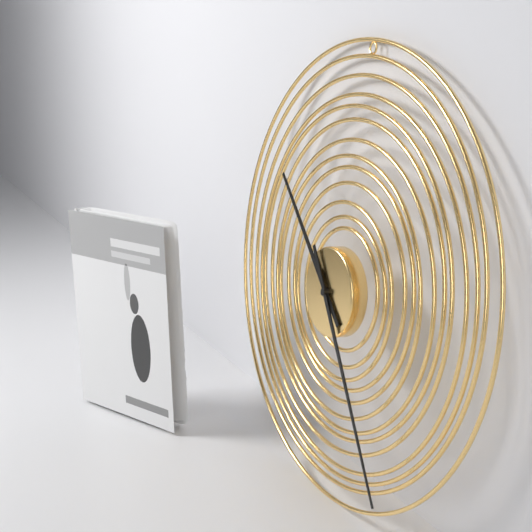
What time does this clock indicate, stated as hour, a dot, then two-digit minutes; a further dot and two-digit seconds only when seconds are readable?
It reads 10.24
